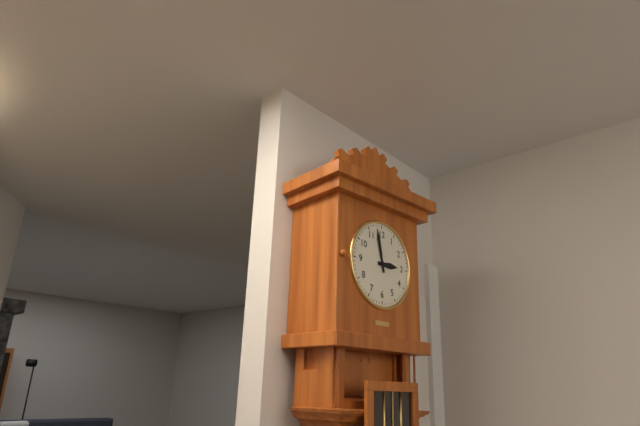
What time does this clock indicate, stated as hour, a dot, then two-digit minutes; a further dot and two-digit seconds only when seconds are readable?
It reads 2.58
